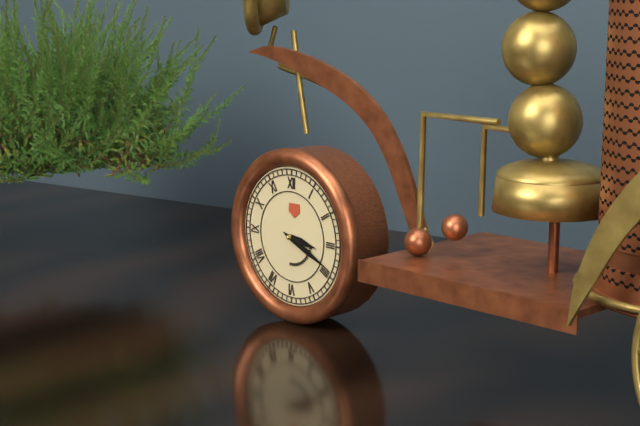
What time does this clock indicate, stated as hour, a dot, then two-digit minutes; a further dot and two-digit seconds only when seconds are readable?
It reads 3.19
